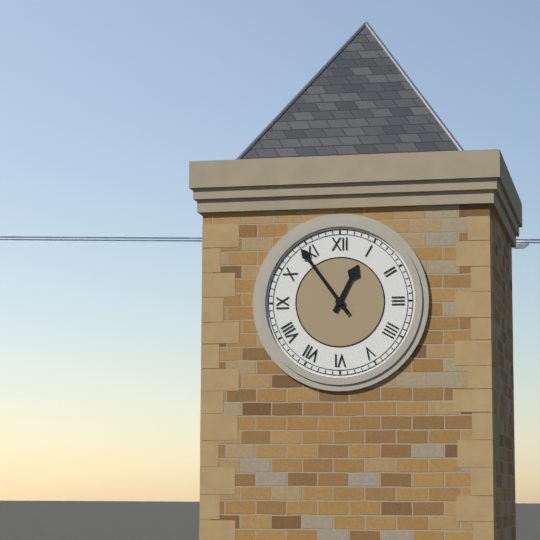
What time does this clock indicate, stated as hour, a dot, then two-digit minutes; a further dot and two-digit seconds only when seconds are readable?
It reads 12.54
